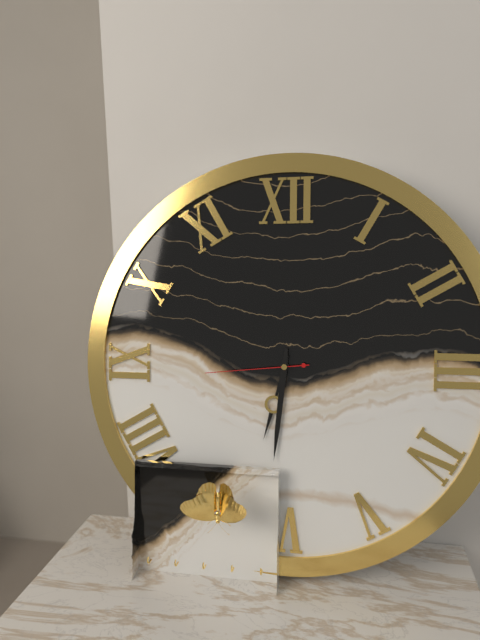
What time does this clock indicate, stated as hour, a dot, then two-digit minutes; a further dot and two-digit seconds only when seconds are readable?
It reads 6.31.44
